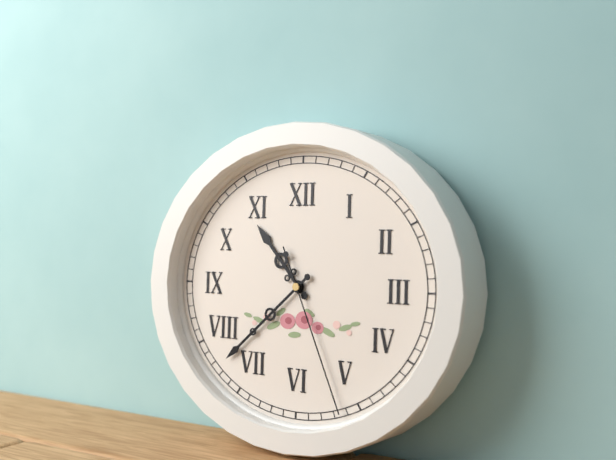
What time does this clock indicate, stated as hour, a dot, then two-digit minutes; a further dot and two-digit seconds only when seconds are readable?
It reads 10.38.26
